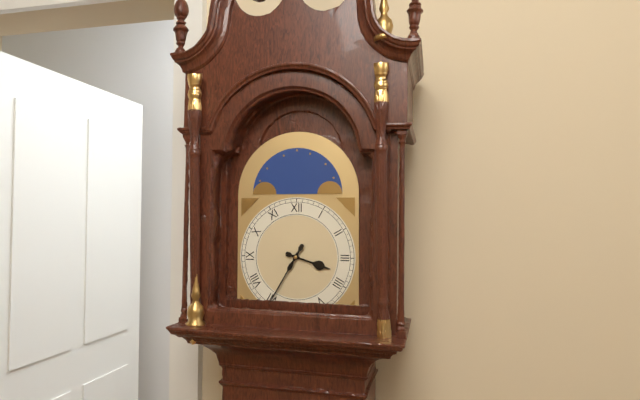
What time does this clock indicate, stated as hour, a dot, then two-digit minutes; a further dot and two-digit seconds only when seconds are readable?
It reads 3.35
